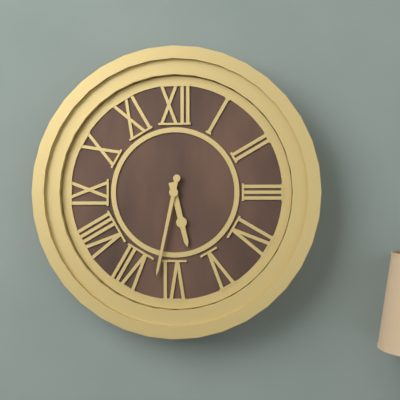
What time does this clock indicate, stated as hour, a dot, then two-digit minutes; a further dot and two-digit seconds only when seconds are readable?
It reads 5.32
